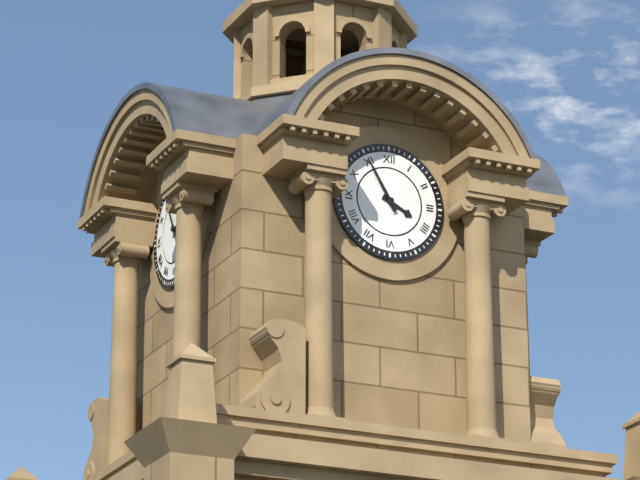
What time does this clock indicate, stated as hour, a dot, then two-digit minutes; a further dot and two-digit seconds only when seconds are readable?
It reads 3.55
